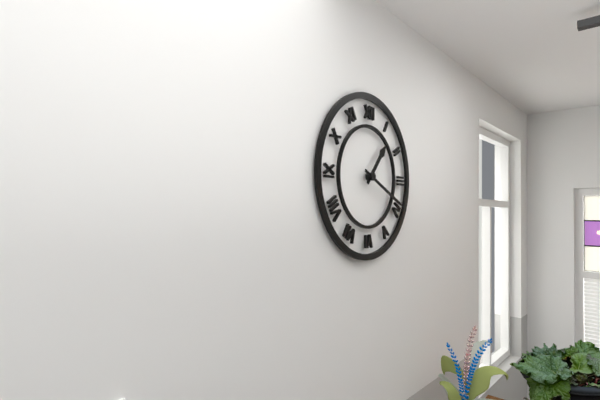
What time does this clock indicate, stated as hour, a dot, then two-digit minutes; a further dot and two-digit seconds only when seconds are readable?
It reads 1.19
